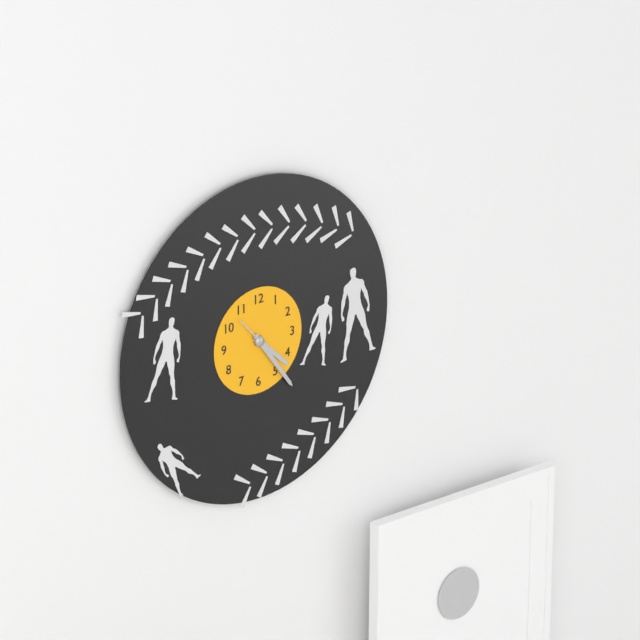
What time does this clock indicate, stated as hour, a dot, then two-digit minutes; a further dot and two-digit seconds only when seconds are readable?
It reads 4.24
